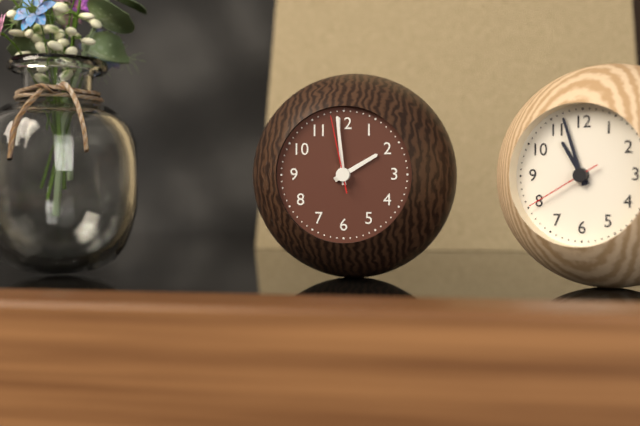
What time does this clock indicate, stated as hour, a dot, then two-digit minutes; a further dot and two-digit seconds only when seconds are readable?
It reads 1.59.58
